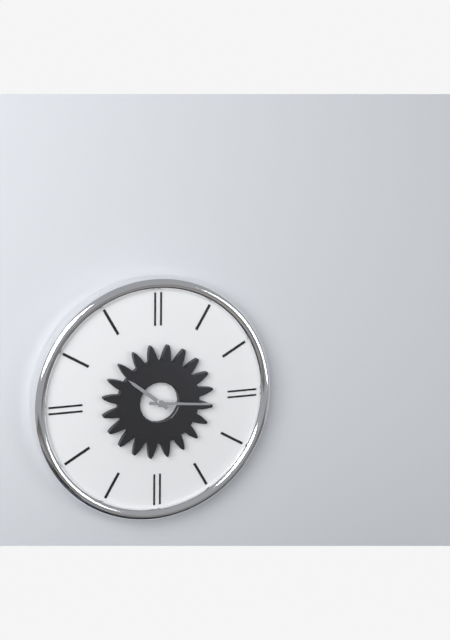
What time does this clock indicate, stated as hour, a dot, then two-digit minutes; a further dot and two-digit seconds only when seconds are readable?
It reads 10.16
